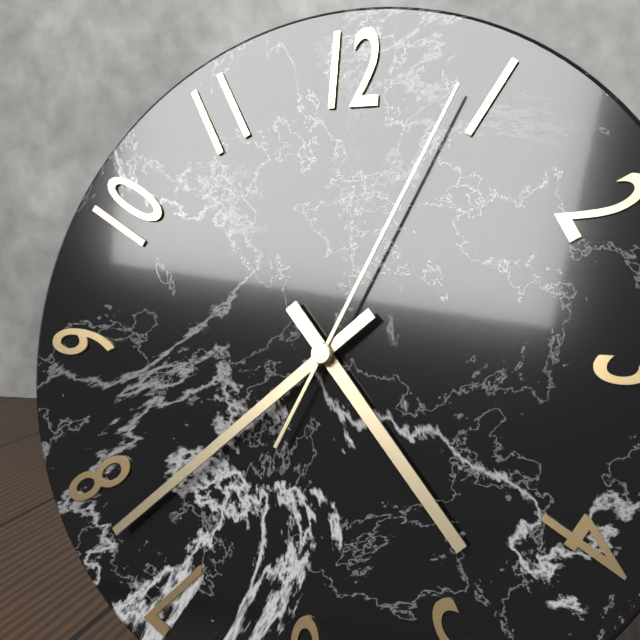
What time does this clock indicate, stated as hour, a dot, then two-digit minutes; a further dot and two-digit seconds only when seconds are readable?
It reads 4.38.04
